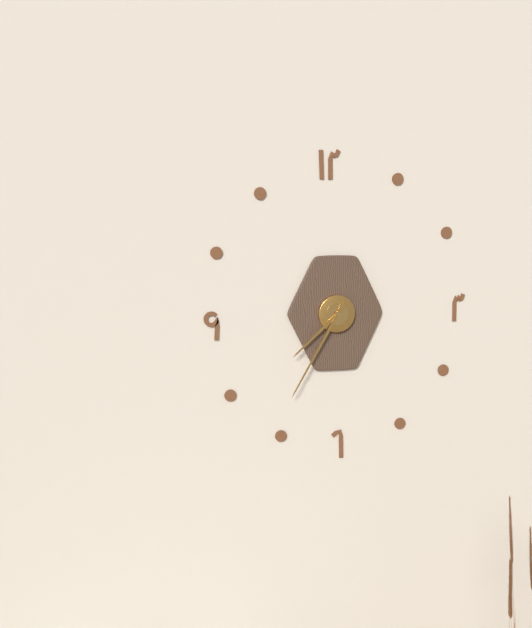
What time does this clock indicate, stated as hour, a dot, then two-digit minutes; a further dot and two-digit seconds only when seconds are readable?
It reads 7.35
